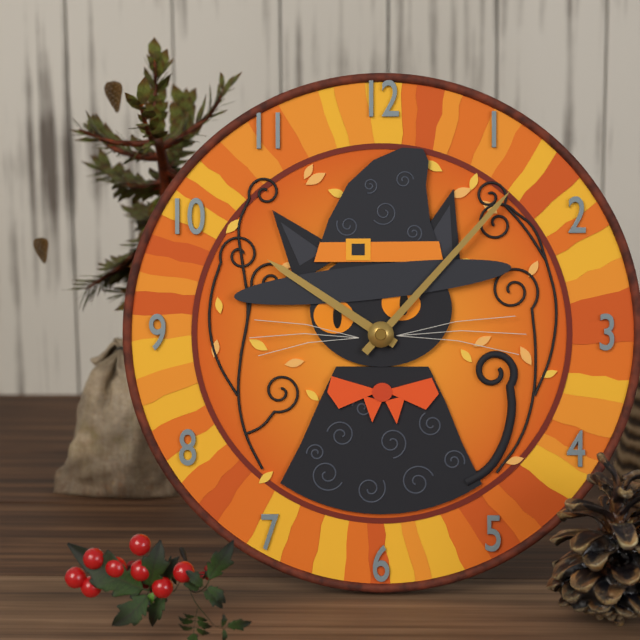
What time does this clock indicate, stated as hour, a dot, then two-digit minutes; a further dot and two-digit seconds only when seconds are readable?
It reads 10.07
